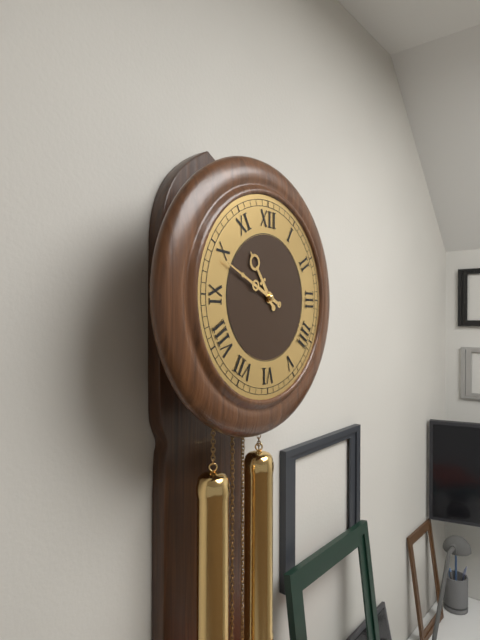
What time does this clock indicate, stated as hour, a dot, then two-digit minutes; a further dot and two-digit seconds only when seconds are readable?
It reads 10.49
